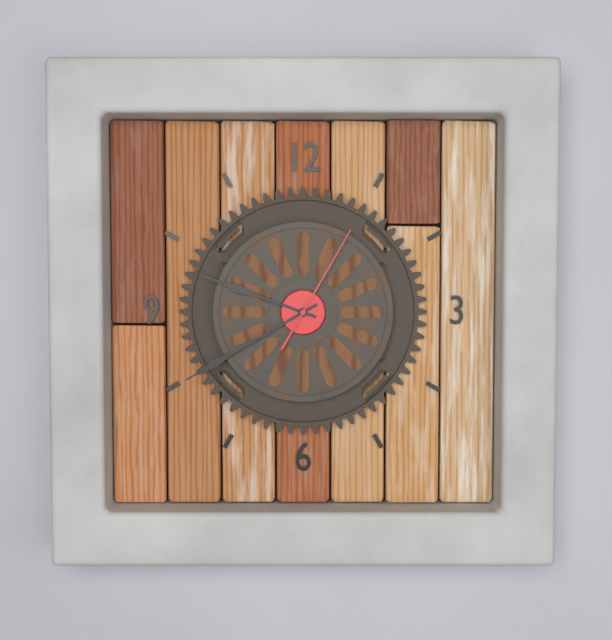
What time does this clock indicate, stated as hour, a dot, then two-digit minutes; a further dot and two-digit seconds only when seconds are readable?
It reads 9.40.05
